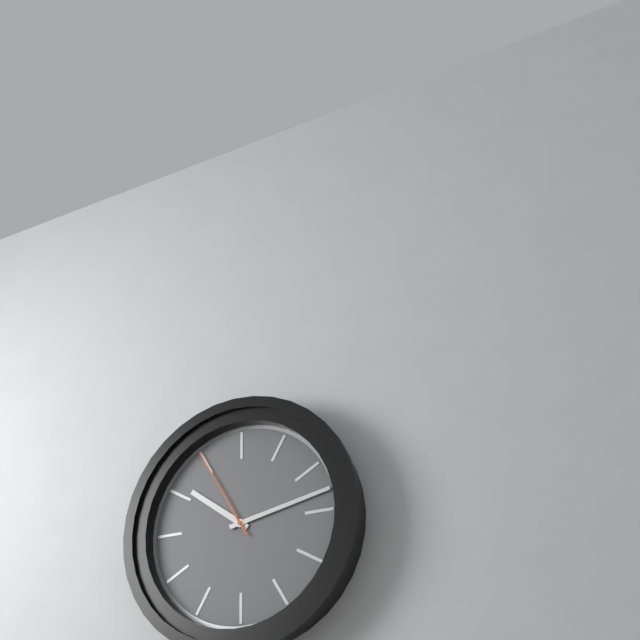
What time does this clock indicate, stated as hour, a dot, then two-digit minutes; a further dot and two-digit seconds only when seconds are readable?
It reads 10.13.55
